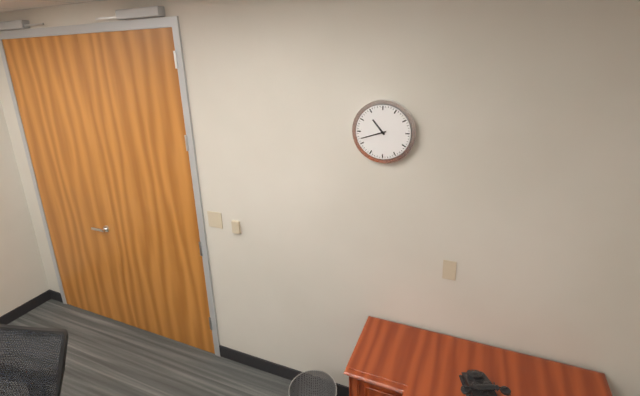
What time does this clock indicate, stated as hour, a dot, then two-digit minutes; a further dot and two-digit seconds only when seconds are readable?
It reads 10.42
